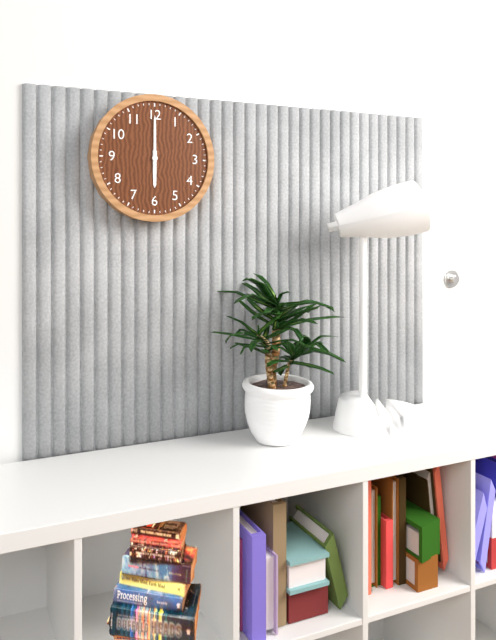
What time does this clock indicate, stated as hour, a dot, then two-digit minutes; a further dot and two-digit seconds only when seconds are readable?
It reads 6.00
